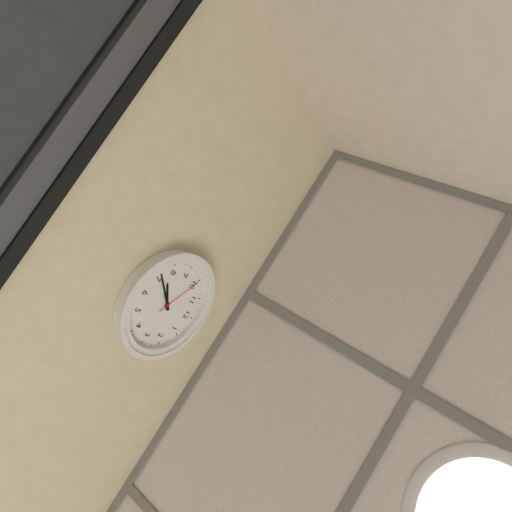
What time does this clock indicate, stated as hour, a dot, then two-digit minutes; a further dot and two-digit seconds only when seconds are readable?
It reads 7.36
